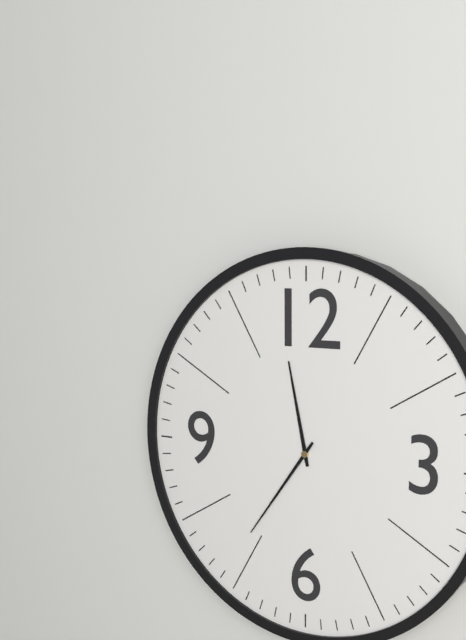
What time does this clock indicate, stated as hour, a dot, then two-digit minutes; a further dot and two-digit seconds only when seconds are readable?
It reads 11.36
